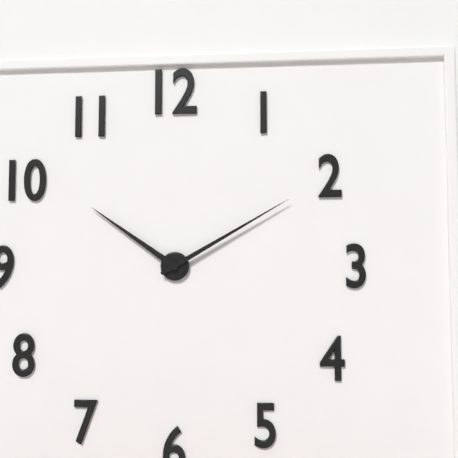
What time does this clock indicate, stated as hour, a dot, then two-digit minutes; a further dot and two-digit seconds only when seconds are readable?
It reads 10.10
